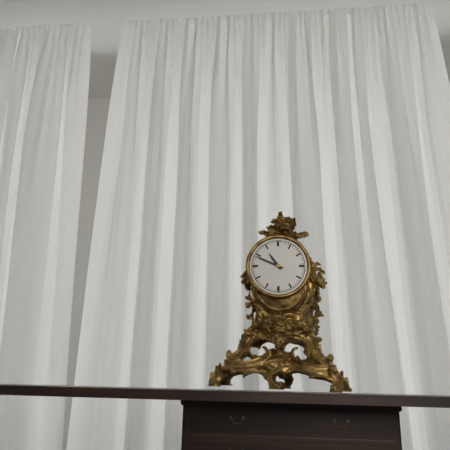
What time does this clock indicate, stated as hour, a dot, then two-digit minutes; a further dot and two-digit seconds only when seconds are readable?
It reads 10.49
